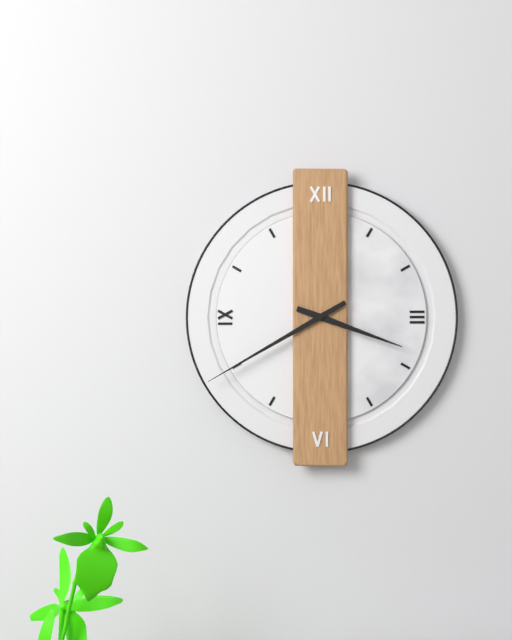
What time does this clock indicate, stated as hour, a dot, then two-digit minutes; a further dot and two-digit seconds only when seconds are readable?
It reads 3.40
